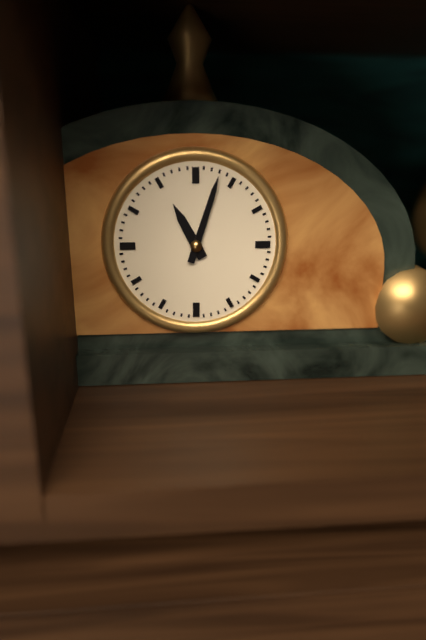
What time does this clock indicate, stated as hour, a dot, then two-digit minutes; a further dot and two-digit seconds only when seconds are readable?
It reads 11.03
